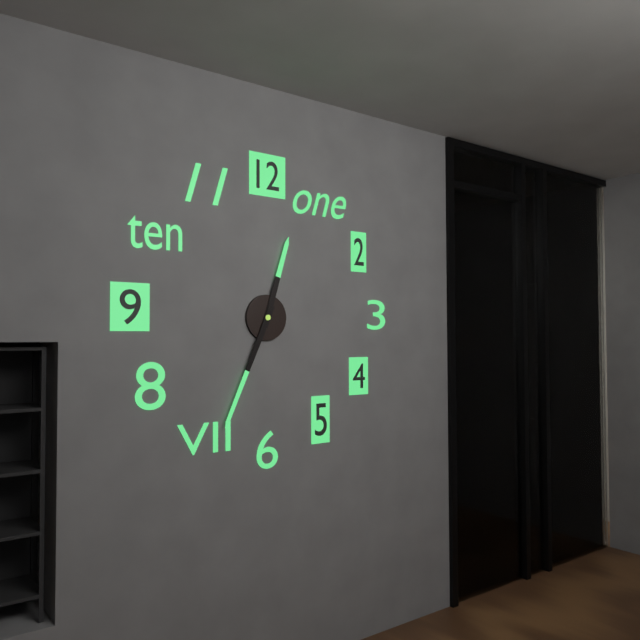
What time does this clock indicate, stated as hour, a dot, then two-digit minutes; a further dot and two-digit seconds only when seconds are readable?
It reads 12.34
